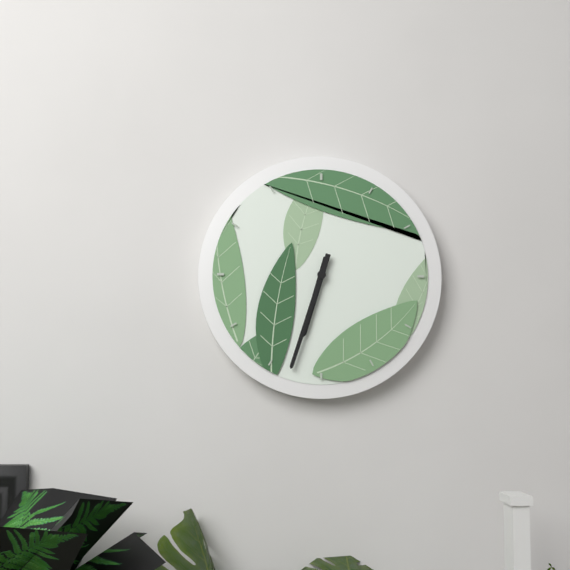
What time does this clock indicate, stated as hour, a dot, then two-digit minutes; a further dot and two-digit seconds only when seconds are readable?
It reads 6.33
